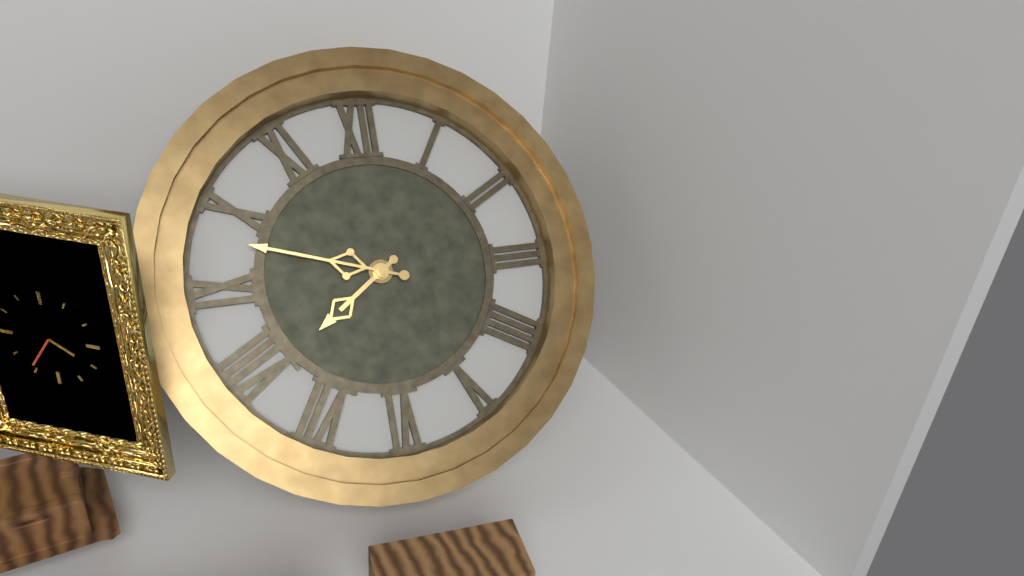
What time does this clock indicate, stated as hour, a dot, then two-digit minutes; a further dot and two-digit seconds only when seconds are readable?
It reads 7.48
